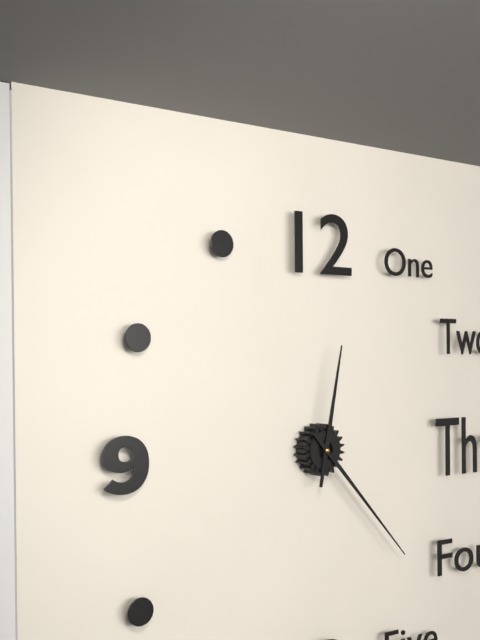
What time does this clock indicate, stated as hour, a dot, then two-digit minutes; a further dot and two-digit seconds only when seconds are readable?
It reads 12.23
